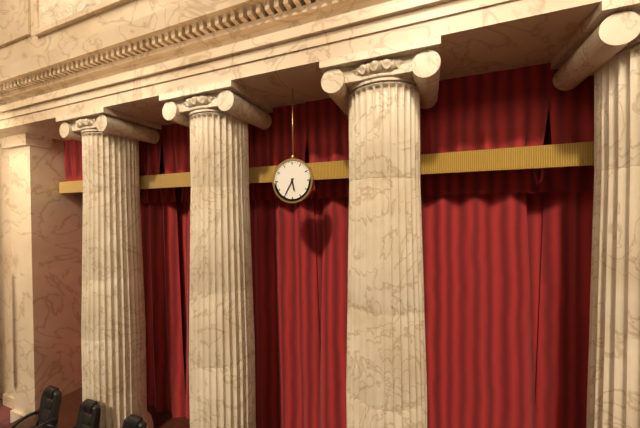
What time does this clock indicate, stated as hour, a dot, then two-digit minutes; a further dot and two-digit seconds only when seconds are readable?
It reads 5.35
